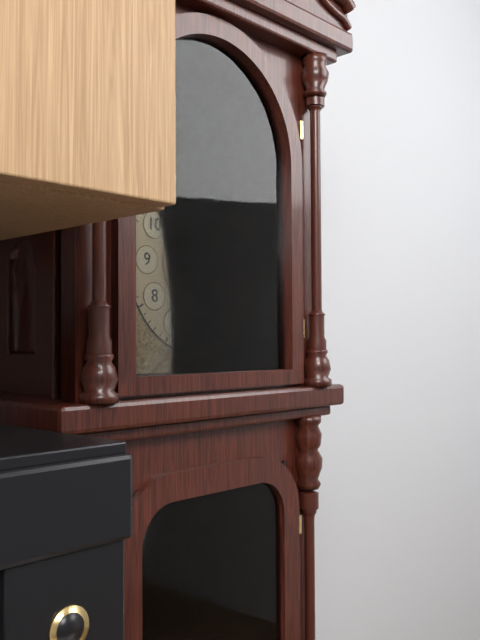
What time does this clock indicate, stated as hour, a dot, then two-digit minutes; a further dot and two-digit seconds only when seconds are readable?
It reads 6.18
